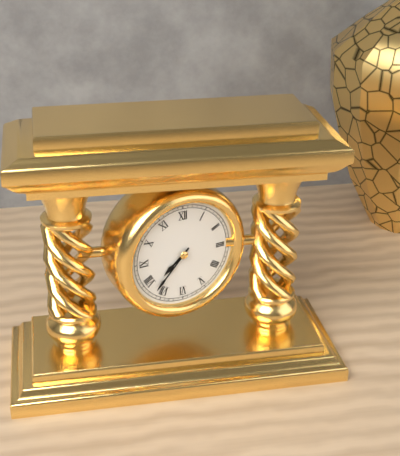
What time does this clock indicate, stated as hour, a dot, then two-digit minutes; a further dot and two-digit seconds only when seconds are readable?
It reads 7.37
